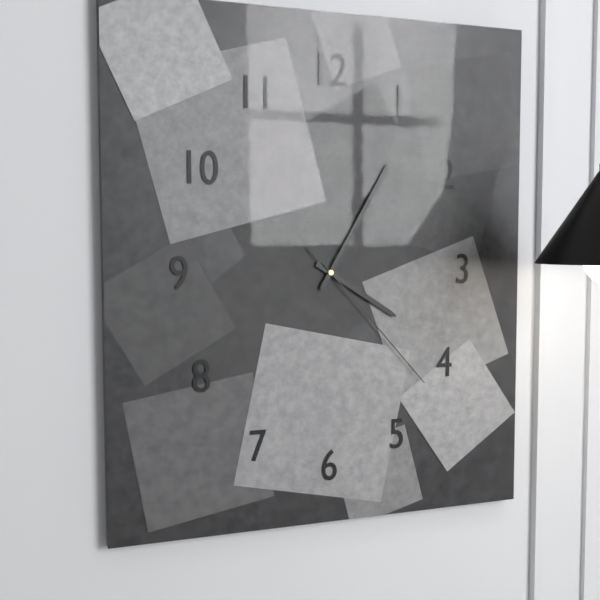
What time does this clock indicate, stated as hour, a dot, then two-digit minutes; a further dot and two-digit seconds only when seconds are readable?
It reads 4.05.23
